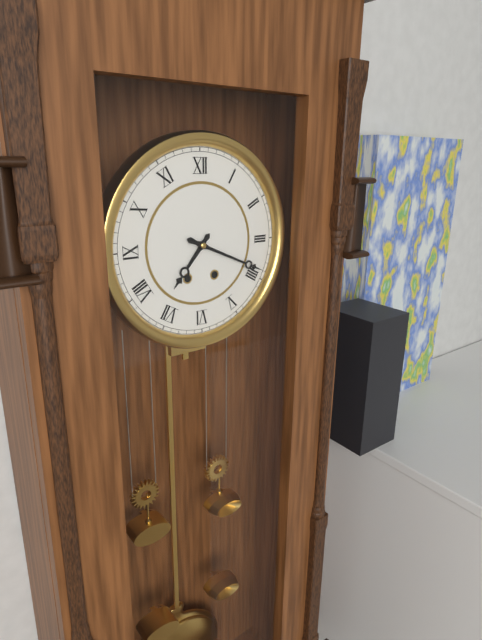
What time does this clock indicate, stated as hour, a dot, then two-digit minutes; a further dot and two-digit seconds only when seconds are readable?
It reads 7.19
